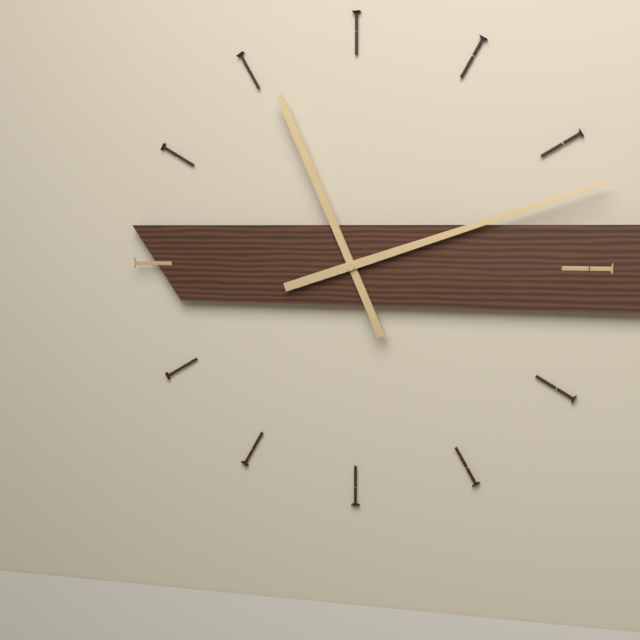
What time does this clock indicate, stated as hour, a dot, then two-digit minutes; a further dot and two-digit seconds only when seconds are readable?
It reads 11.12
